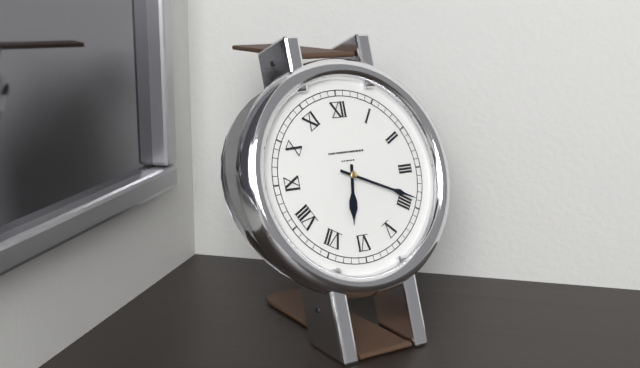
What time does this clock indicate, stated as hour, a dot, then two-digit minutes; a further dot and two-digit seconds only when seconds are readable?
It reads 6.19
